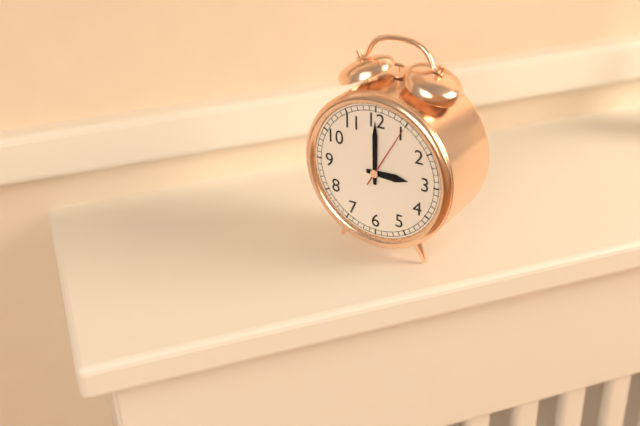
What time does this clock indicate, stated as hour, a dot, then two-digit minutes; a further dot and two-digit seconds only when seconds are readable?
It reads 3.00.05
